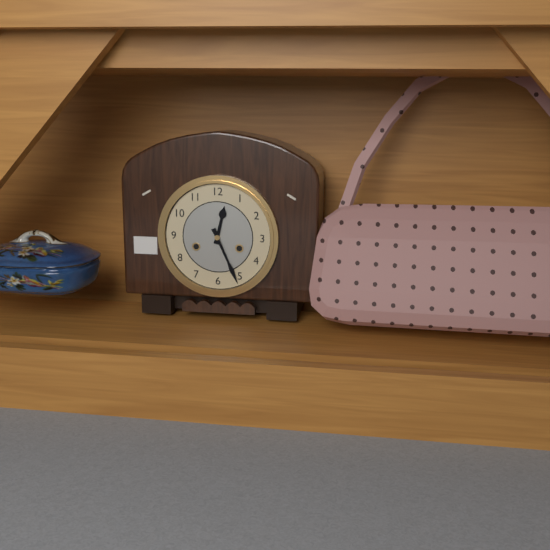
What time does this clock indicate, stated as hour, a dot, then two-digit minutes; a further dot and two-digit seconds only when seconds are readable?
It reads 12.26
